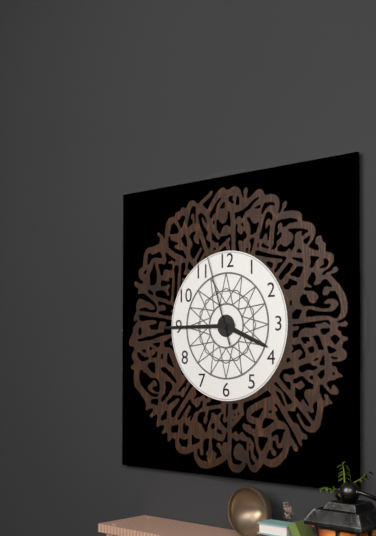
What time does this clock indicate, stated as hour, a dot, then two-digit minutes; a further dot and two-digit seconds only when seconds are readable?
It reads 3.45.57
